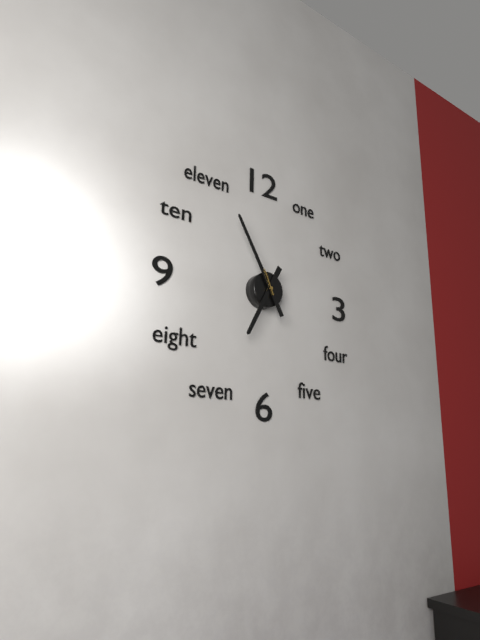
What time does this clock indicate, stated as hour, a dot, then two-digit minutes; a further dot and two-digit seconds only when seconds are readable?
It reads 6.55
